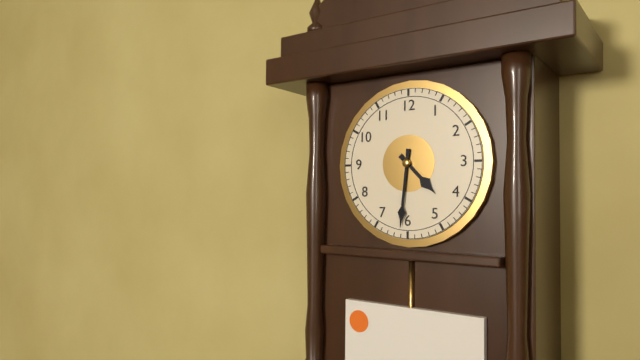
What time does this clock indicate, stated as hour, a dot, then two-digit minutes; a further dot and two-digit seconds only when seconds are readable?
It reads 4.31
